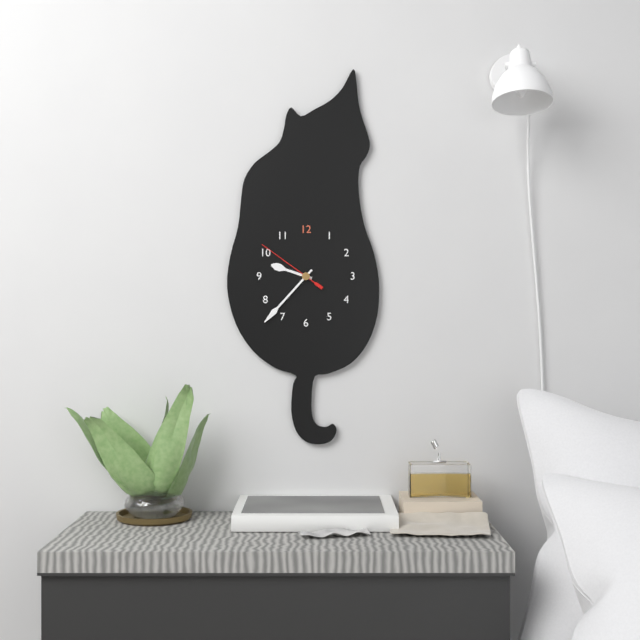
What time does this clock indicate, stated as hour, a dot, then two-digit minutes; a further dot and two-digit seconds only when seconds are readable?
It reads 9.37.51
